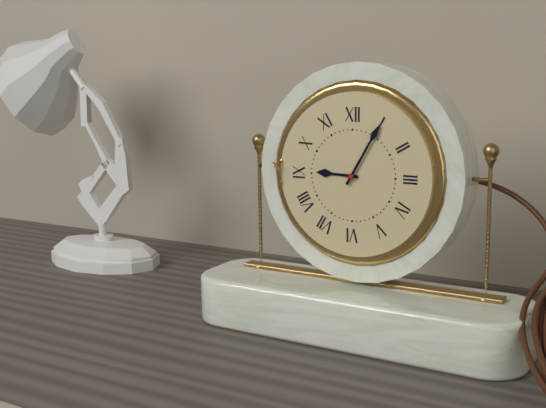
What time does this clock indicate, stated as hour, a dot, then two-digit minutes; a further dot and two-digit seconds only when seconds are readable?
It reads 9.05
